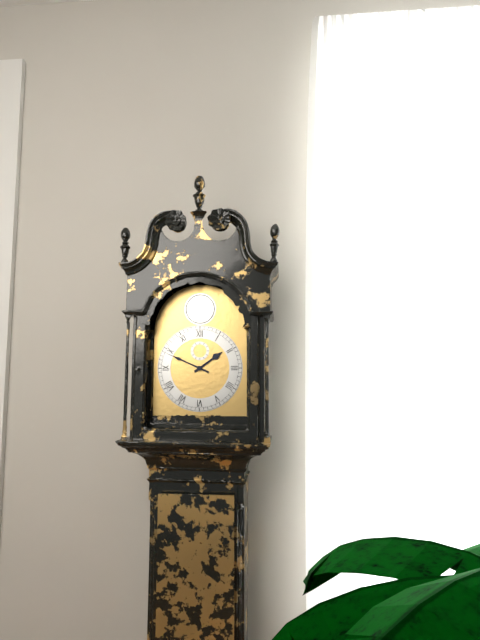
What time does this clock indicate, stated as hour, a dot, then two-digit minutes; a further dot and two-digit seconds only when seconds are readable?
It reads 1.49
